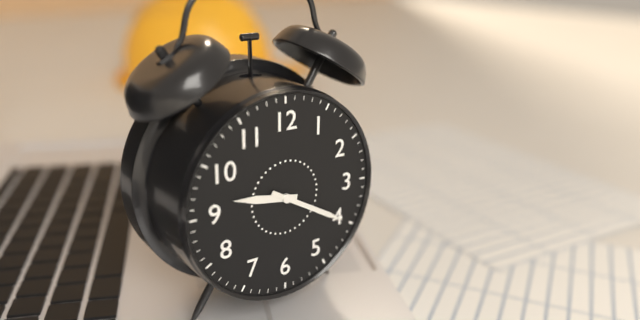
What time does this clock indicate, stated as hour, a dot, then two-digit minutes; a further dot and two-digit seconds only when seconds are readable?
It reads 9.20
